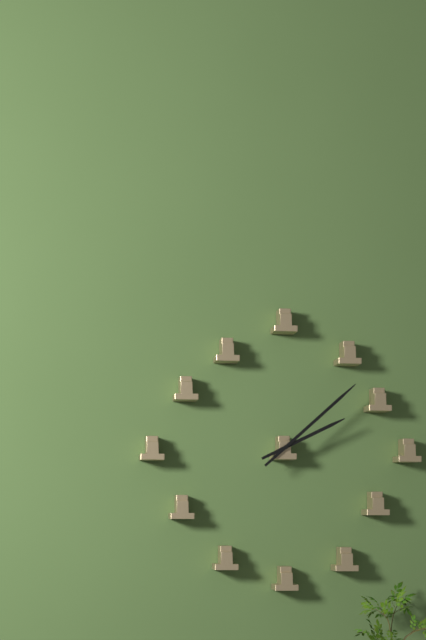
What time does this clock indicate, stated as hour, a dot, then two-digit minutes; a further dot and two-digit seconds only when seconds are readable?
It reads 2.08
